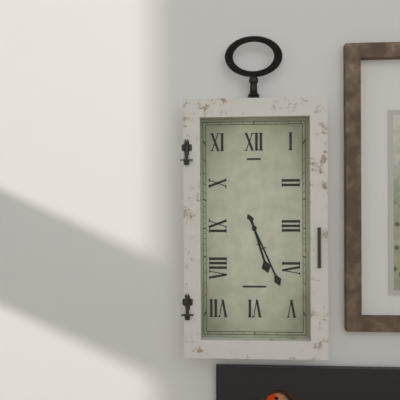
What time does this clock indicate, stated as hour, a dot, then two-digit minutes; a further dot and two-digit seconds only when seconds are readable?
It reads 5.26
